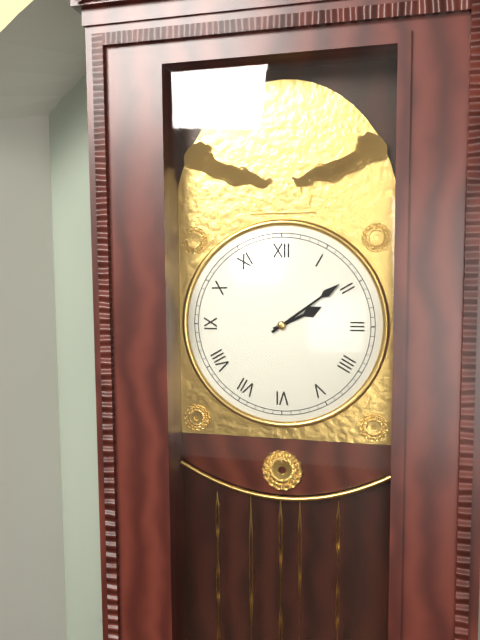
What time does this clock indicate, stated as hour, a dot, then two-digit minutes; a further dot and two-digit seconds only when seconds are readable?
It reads 2.09
